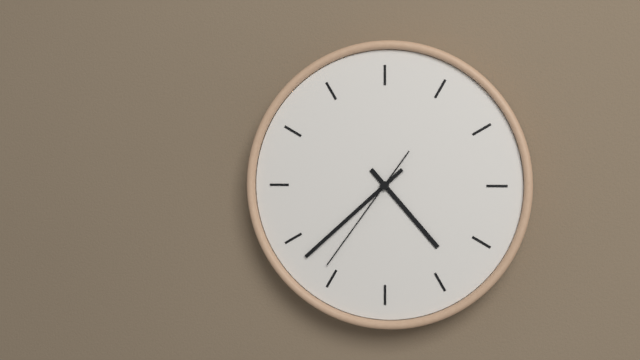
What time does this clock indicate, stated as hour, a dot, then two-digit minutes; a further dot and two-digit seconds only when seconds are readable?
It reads 4.38.36
